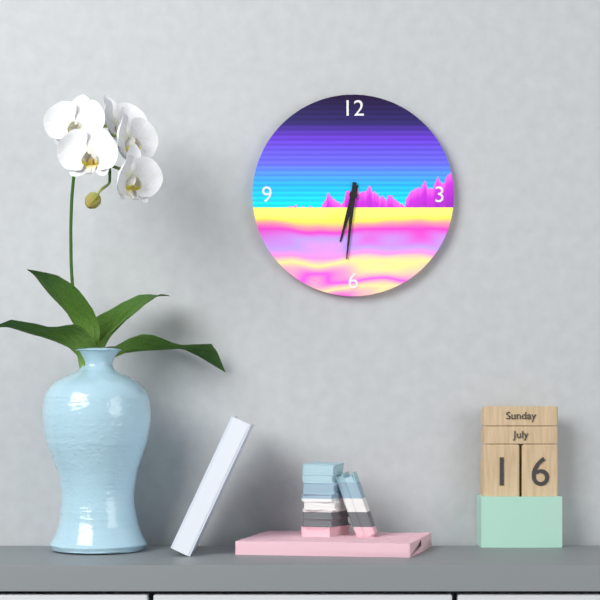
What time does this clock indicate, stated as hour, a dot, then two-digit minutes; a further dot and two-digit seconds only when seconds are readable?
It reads 6.31
